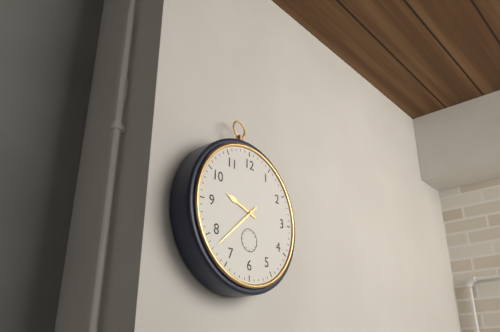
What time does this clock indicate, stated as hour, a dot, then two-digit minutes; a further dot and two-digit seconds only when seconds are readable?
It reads 9.38
